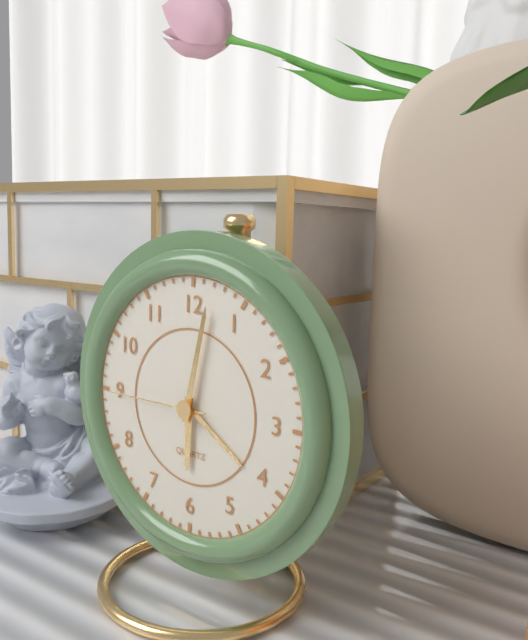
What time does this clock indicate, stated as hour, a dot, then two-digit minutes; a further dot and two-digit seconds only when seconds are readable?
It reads 6.02.45
